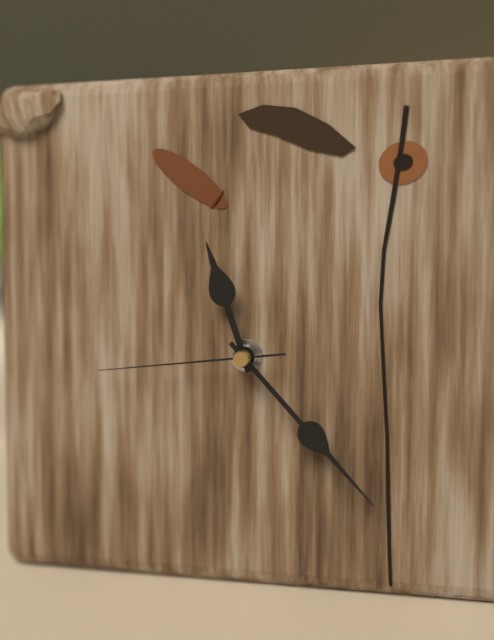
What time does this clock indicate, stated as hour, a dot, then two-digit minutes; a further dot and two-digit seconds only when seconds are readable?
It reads 11.23.44
